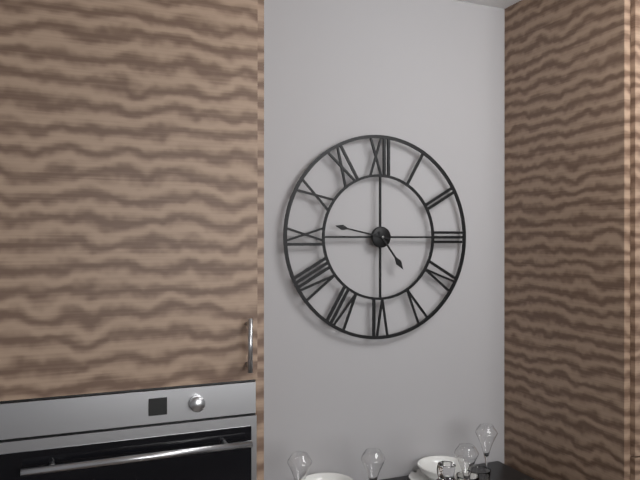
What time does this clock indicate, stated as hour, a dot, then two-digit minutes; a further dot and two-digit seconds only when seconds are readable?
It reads 4.47
